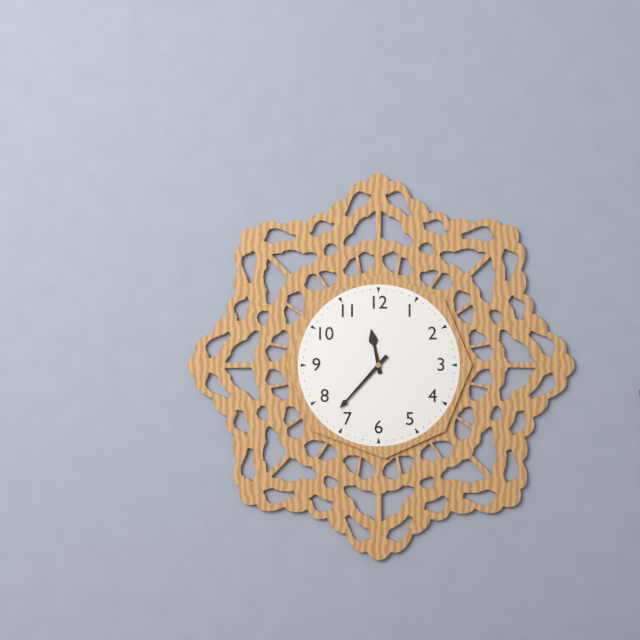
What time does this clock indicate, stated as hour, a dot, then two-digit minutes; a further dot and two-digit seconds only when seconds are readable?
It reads 11.37
